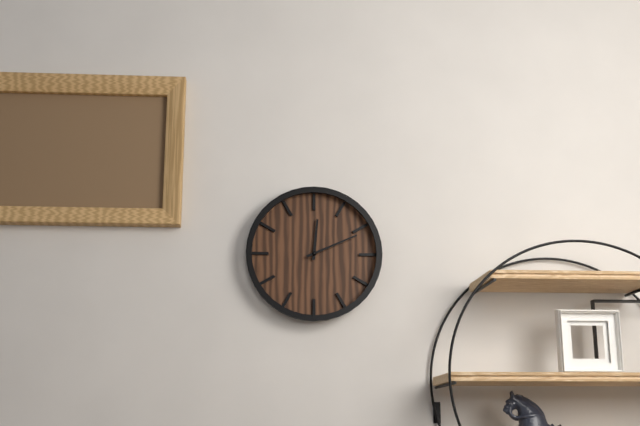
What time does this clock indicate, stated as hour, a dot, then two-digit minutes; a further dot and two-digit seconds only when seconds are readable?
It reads 12.11
